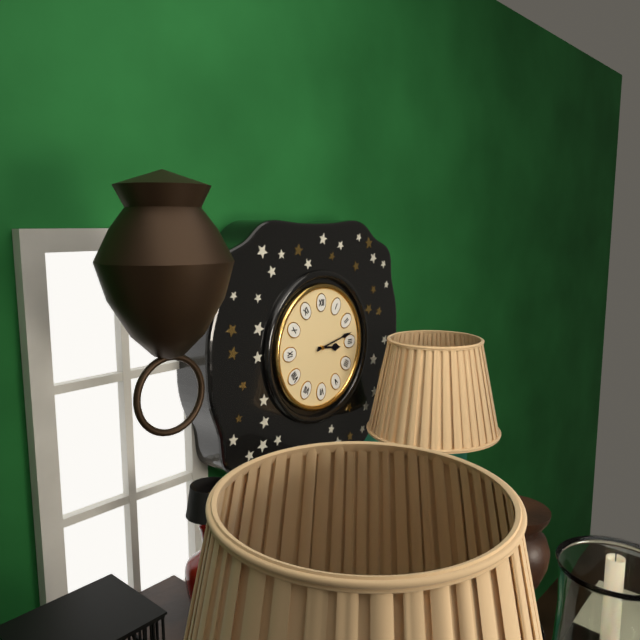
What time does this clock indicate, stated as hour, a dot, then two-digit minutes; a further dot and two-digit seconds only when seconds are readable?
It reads 3.13
